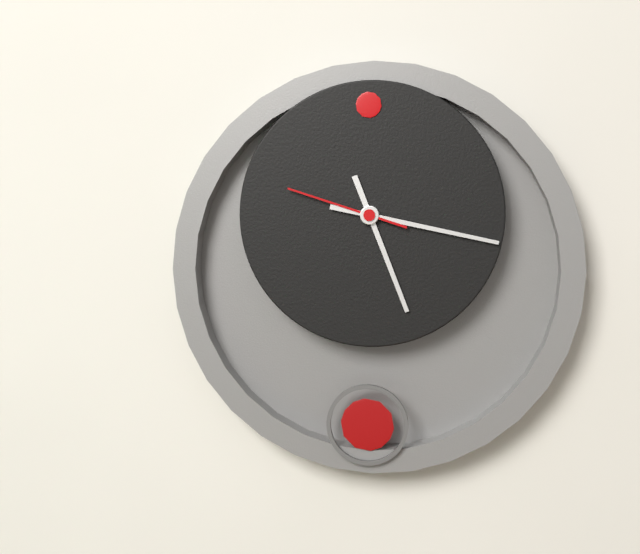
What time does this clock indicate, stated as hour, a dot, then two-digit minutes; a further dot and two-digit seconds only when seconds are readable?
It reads 5.17.48
